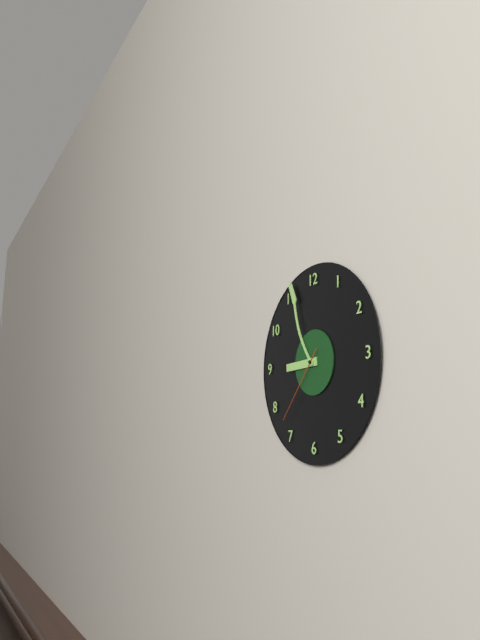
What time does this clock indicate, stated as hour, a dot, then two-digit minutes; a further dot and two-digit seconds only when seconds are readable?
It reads 8.56.37
